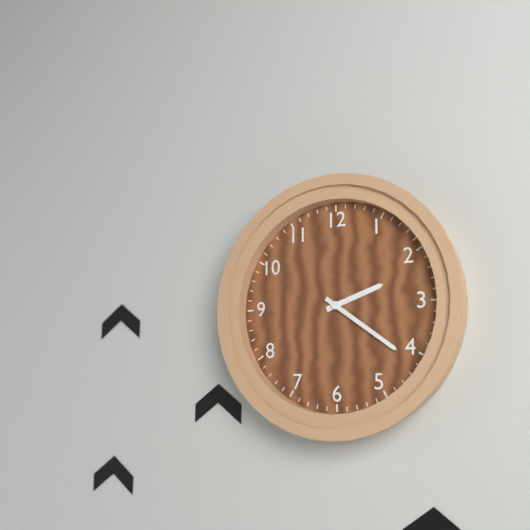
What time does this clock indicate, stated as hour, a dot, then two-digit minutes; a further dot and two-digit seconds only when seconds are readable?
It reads 2.21
